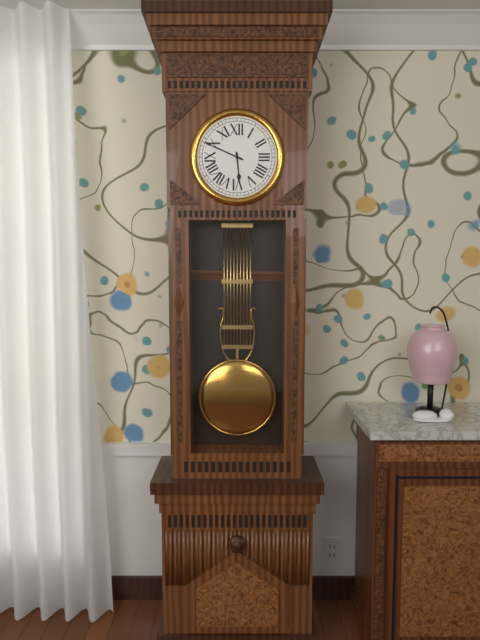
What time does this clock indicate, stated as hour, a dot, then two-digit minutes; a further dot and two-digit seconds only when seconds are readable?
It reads 5.49
